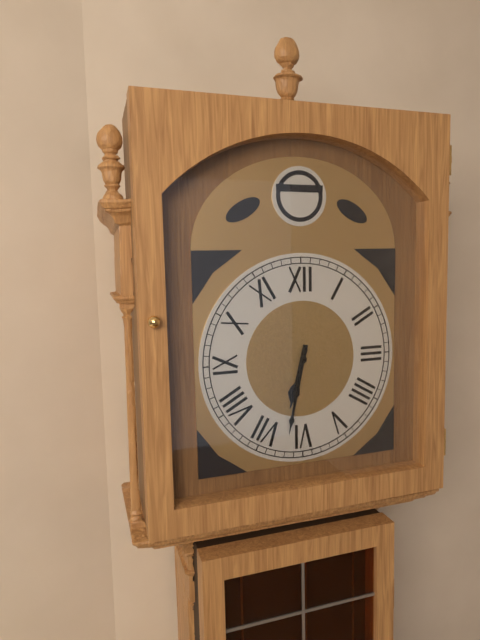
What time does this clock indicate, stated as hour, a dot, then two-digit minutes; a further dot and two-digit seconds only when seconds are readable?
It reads 6.32
